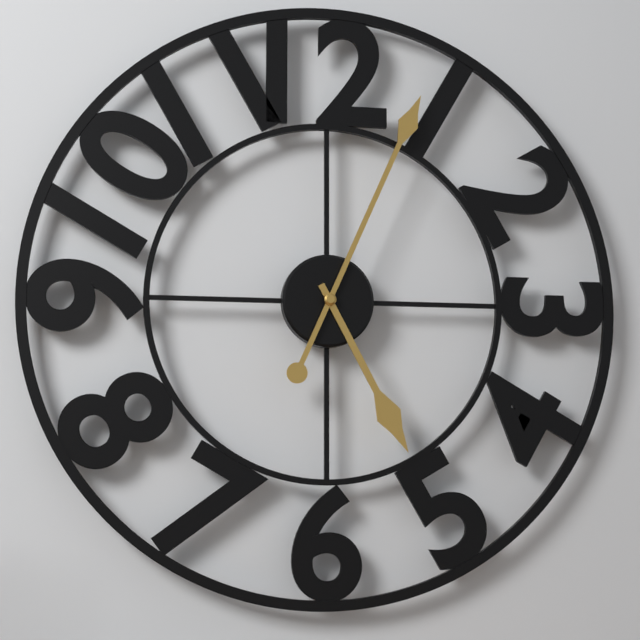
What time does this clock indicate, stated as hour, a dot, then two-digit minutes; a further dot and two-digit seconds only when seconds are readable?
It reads 5.04
